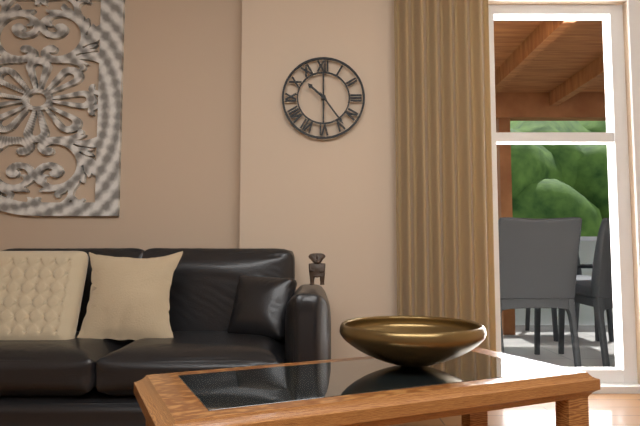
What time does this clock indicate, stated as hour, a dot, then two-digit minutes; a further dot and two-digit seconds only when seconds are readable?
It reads 10.24
